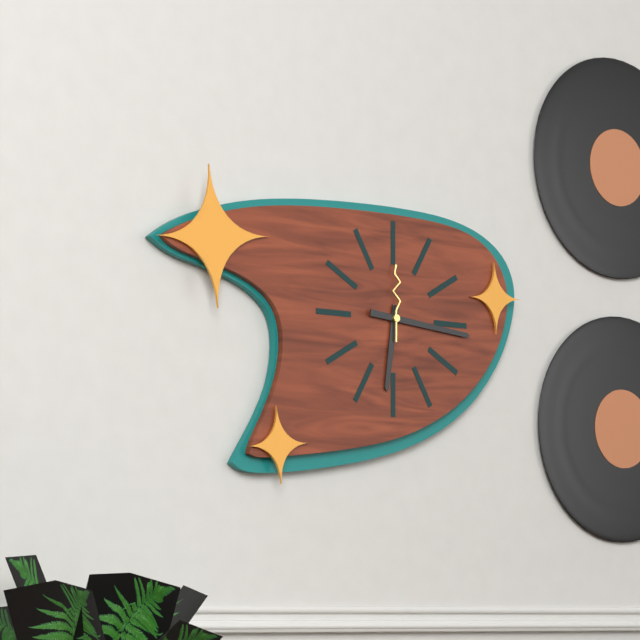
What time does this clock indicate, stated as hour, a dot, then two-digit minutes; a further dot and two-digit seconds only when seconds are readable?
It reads 6.16.00
